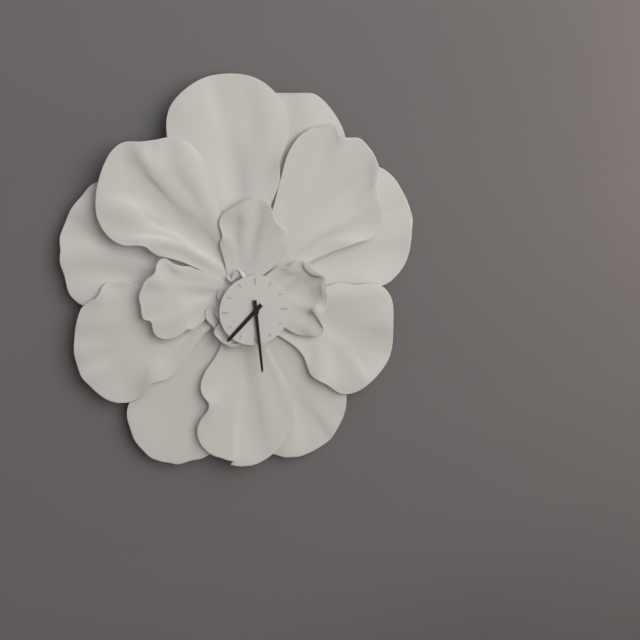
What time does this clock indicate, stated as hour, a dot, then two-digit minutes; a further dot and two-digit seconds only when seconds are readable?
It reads 7.29
